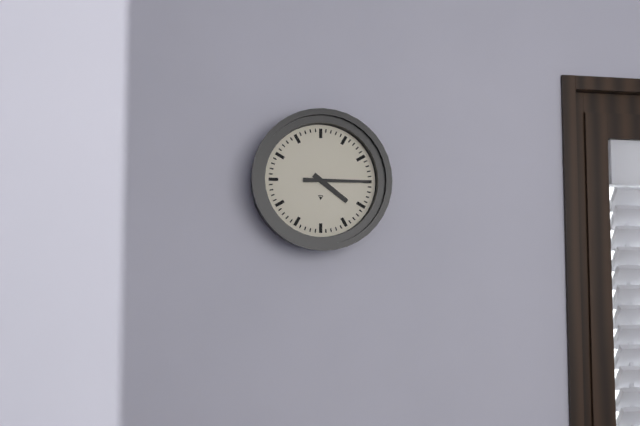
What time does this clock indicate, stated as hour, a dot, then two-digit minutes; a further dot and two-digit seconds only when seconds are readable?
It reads 4.15
